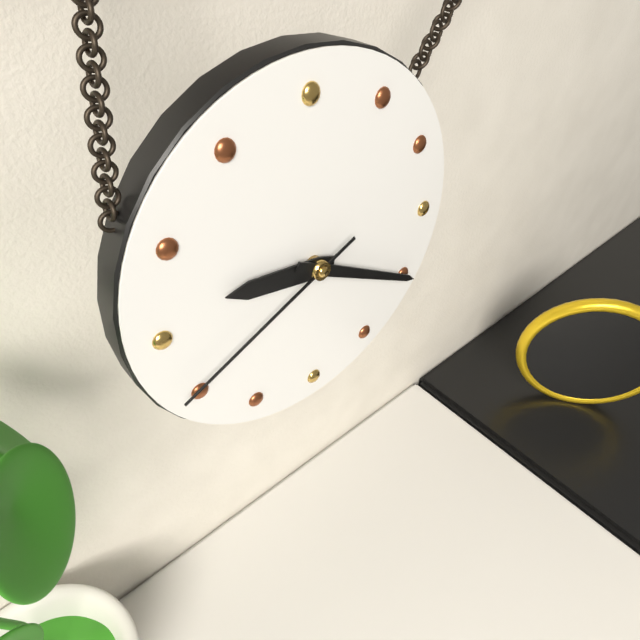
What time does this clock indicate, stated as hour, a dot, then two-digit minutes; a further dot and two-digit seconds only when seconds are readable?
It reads 9.20.41
